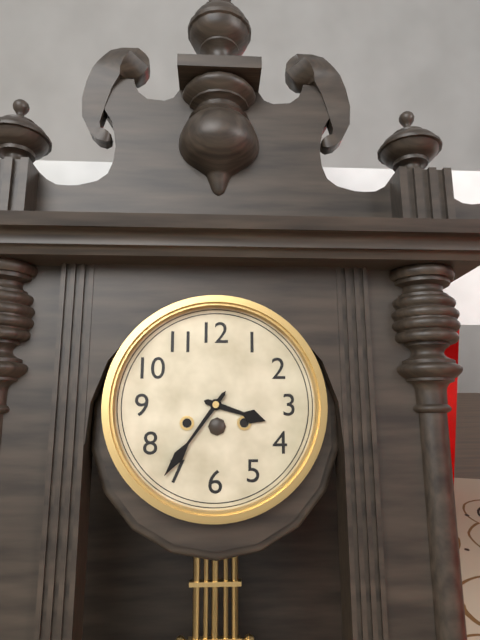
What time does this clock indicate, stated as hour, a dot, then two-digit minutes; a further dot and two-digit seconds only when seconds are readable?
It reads 3.36
